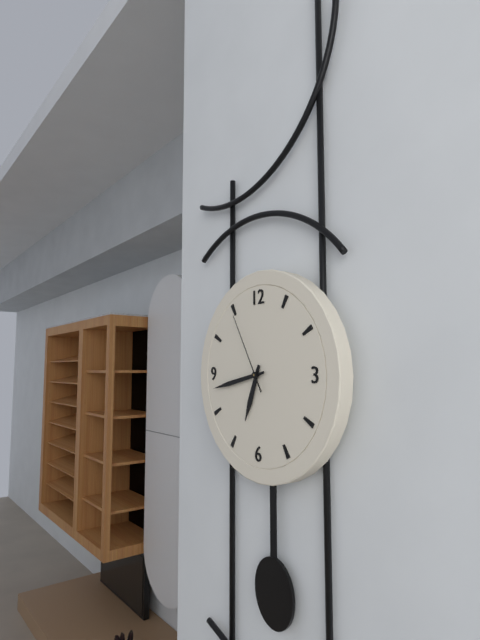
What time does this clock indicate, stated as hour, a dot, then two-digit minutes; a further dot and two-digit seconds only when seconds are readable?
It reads 6.43.55
